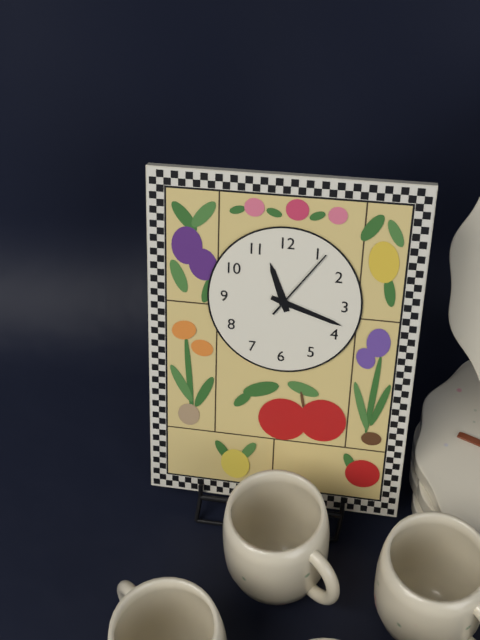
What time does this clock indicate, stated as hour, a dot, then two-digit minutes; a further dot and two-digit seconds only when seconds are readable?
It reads 11.18.06
